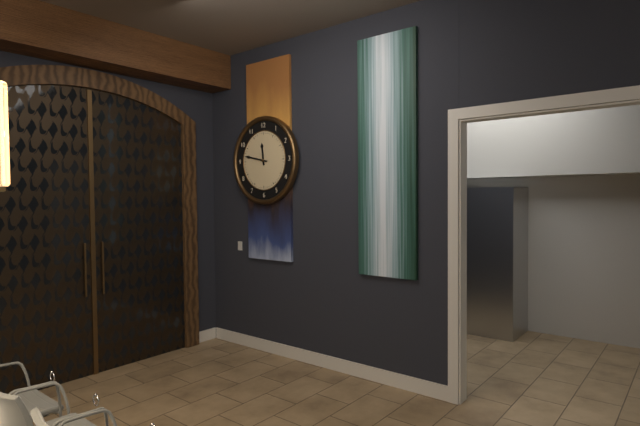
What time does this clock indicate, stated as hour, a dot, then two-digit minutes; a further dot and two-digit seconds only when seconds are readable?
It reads 11.47
